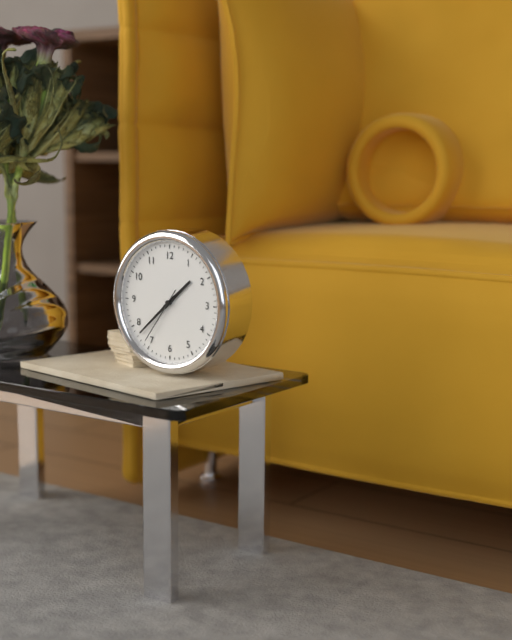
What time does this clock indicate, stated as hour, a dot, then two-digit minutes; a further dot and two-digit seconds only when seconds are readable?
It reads 1.38.36
